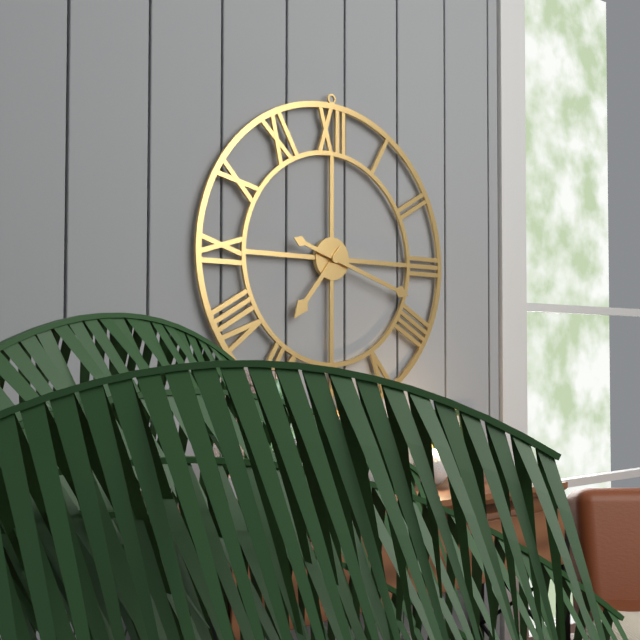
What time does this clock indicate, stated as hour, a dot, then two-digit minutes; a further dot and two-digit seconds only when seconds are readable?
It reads 7.18
